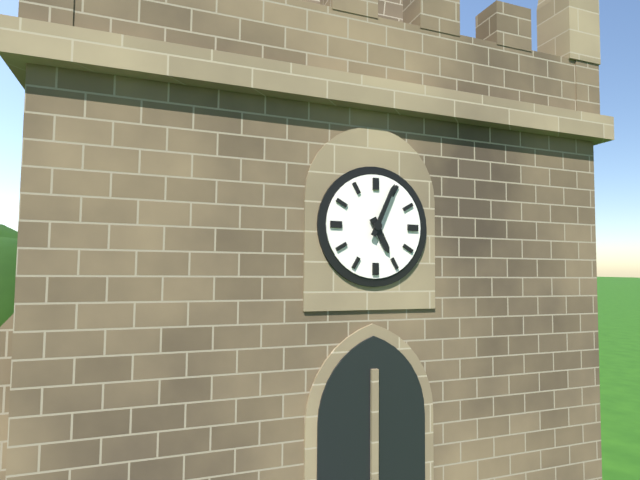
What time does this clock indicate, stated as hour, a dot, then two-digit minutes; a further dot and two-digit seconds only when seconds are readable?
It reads 5.04
